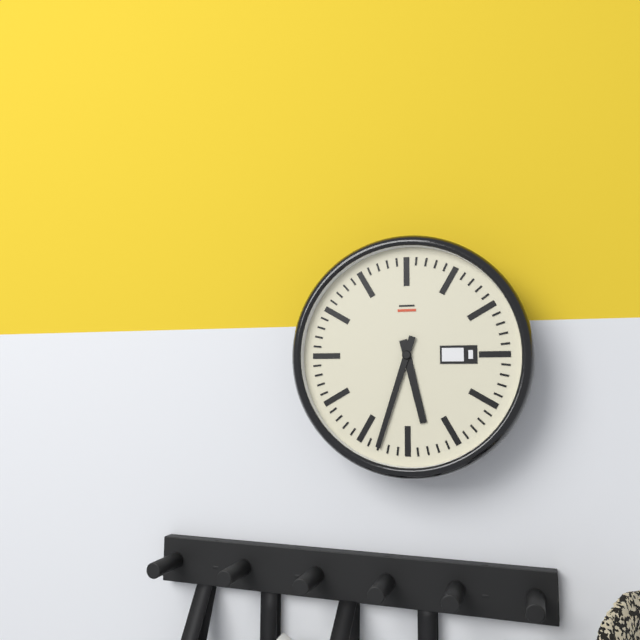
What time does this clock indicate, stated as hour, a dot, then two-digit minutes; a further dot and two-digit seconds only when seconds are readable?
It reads 5.33
